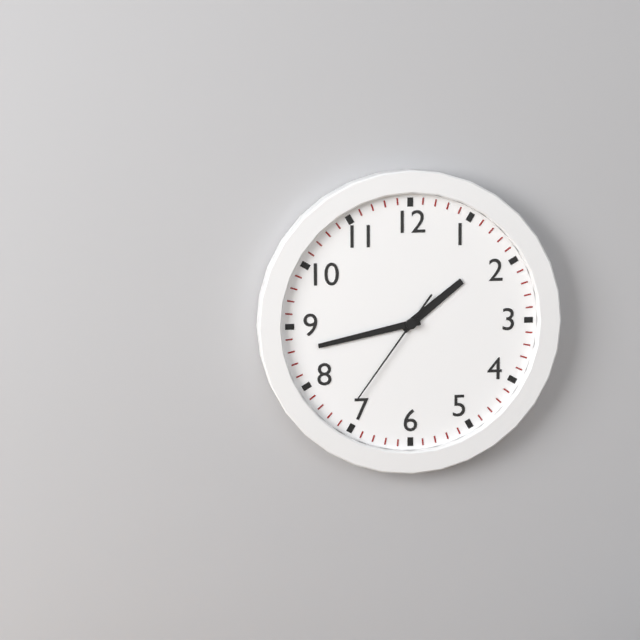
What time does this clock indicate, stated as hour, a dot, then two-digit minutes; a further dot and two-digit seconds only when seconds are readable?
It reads 1.43.36
